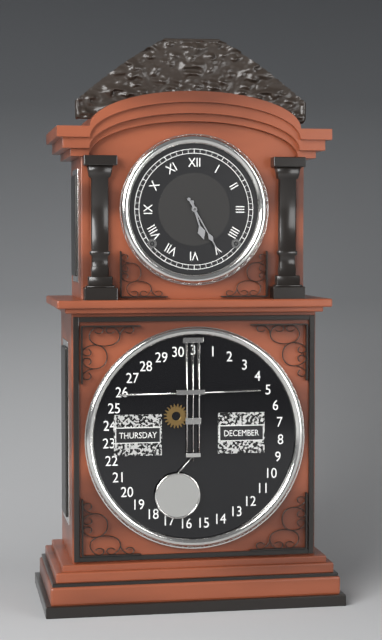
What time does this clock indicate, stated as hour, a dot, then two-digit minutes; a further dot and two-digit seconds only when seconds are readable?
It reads 5.25
